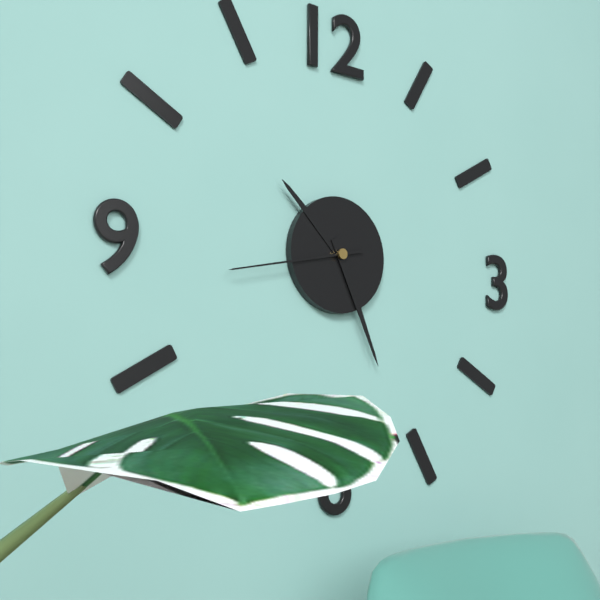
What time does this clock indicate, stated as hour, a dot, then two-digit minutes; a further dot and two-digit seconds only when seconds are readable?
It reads 10.26.43
